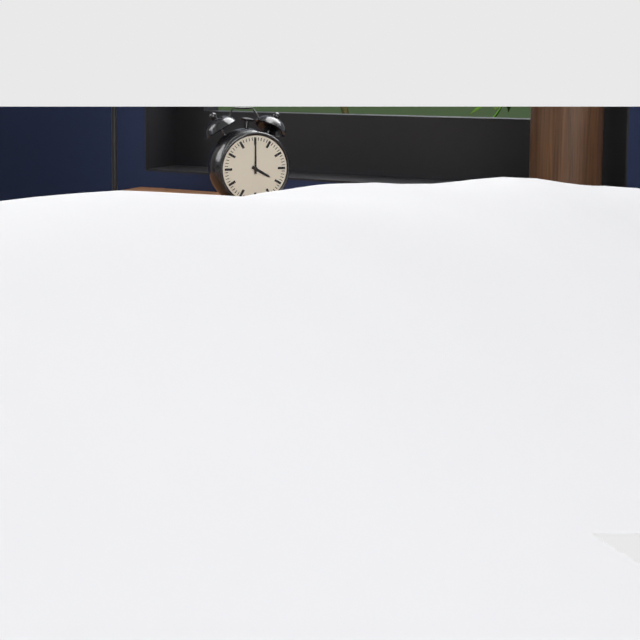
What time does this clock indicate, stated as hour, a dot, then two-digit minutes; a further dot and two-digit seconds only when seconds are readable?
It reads 4.00
